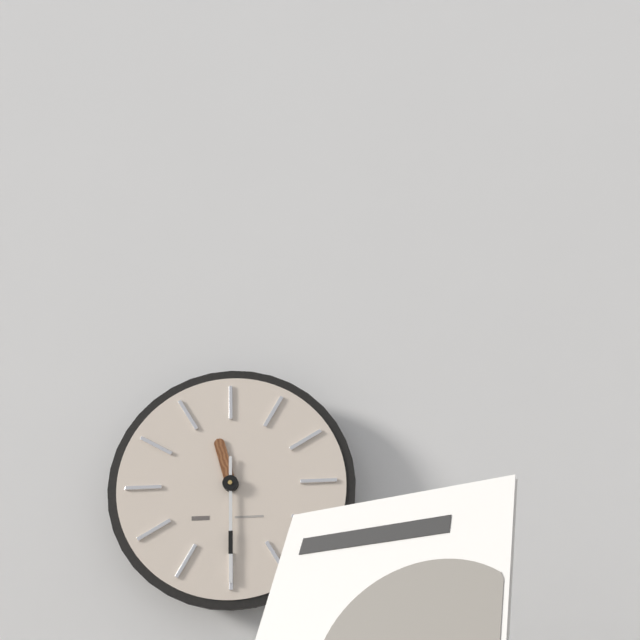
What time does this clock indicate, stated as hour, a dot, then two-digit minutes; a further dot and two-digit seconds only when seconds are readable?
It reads 11.30
